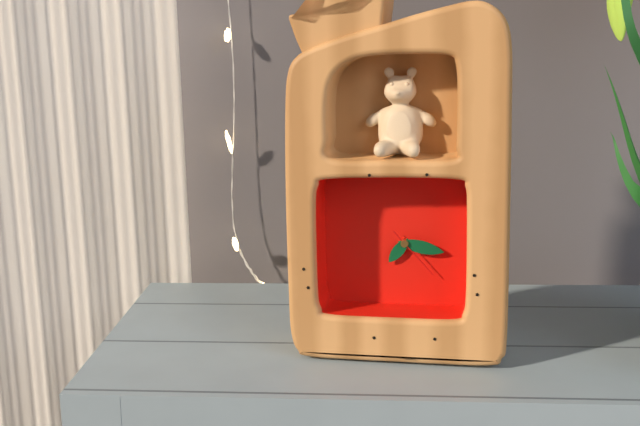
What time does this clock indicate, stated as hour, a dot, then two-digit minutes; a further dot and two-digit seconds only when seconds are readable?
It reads 7.17.23
